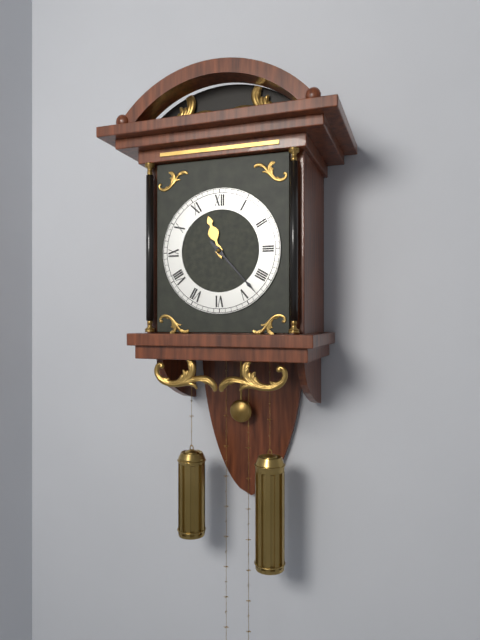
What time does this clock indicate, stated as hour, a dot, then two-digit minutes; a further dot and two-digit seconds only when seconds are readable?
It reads 11.23
